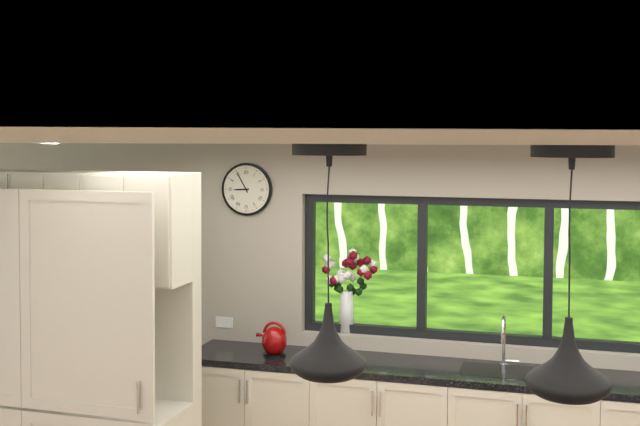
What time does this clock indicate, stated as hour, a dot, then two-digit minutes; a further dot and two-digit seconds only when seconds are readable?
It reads 8.55
